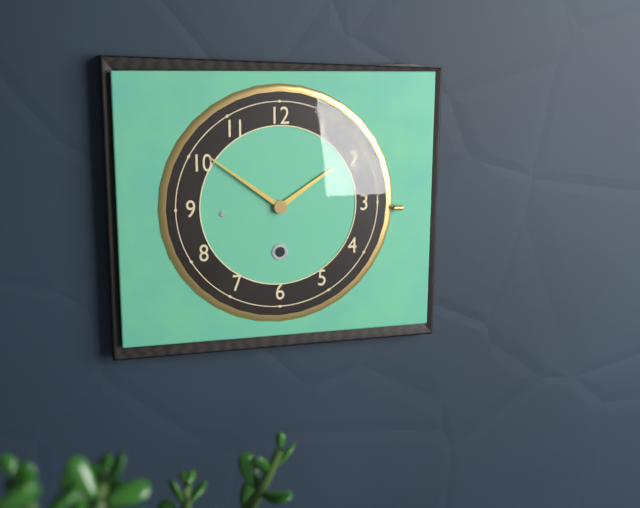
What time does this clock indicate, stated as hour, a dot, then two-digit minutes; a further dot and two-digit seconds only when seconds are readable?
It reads 1.51
